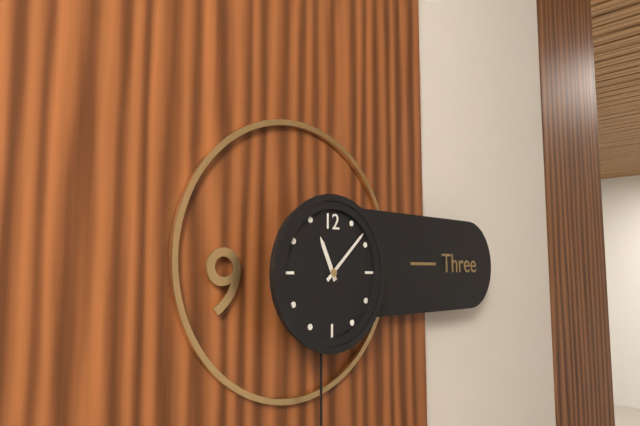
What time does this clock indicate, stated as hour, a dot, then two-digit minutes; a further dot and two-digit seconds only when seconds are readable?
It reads 11.08
